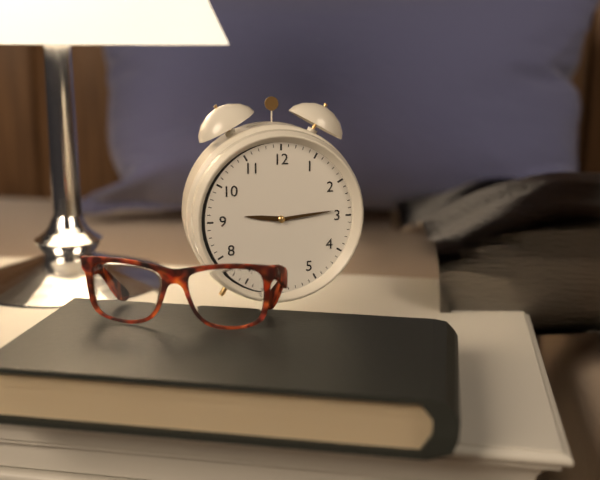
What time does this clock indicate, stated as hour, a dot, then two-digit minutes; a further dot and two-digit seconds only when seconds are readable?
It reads 9.14
